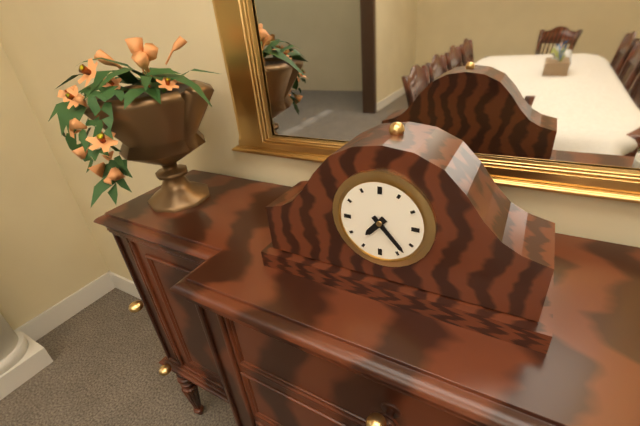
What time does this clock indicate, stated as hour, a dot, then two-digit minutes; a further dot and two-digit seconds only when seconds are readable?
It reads 7.23
